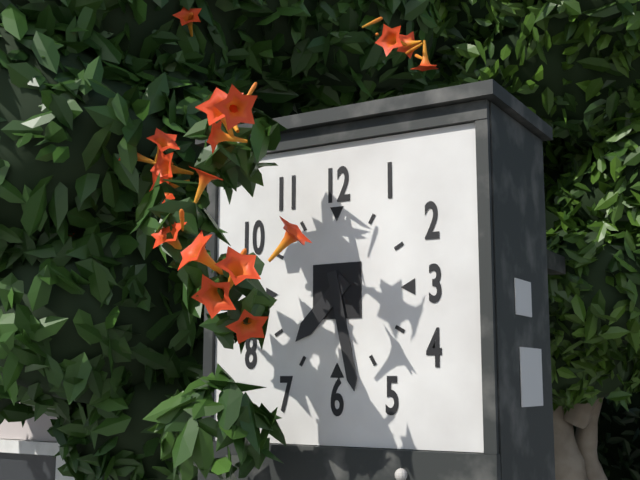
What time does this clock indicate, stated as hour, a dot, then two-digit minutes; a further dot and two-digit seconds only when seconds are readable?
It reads 7.28
